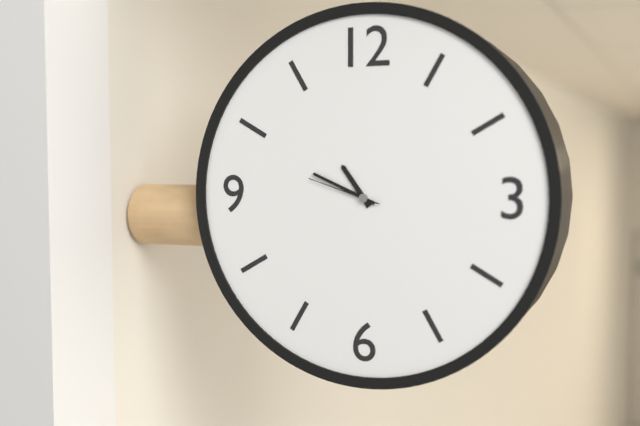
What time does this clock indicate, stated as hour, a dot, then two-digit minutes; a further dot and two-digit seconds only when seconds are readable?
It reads 10.49.48
